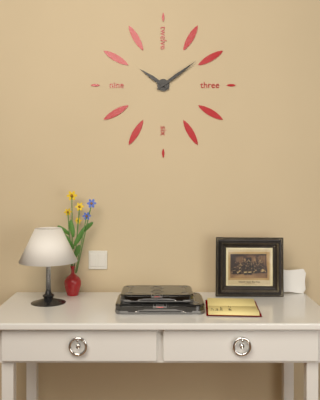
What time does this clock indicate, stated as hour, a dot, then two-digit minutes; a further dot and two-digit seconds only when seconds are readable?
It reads 10.09
